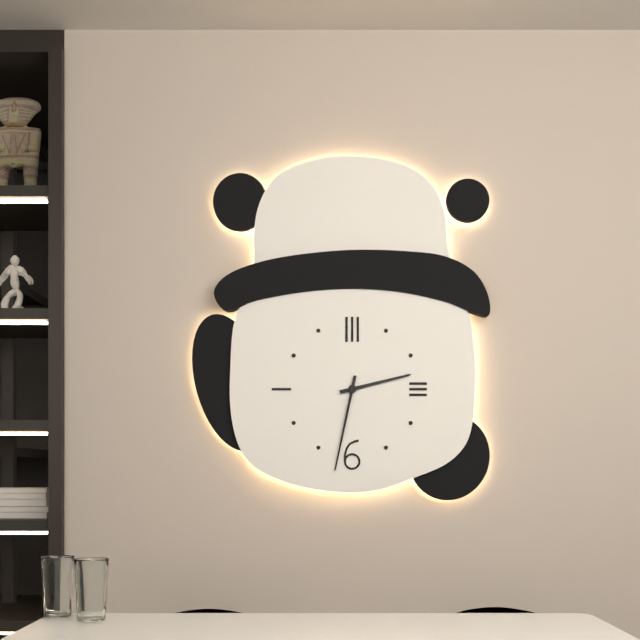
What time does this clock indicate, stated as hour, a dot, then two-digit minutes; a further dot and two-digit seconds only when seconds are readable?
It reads 2.32
